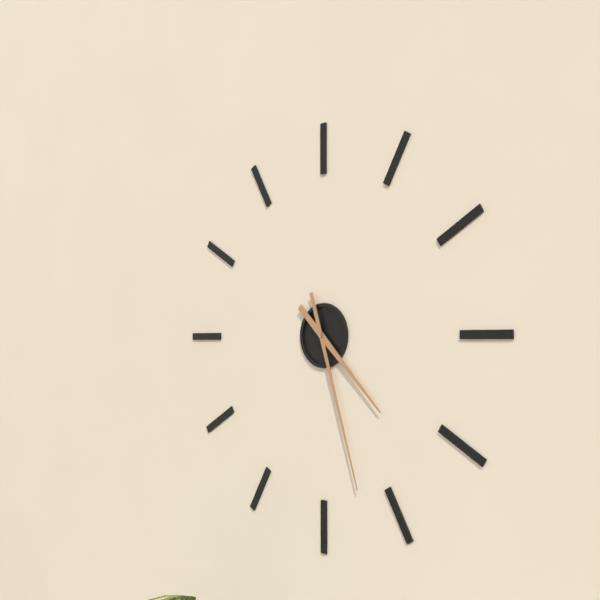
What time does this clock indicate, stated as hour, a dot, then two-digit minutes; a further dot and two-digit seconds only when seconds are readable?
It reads 4.27
